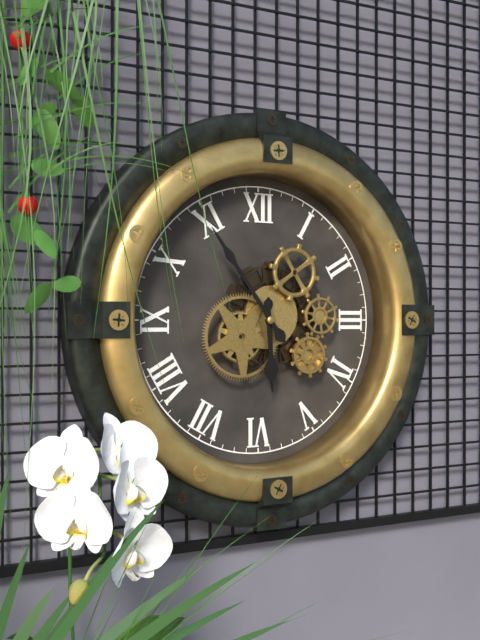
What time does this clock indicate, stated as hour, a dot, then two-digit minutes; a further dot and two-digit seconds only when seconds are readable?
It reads 5.54
